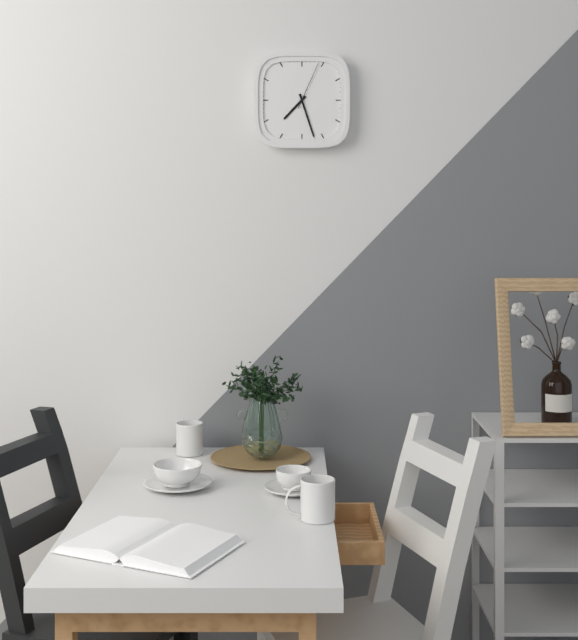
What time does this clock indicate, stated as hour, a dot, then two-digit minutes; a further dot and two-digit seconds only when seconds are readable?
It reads 7.27.04
